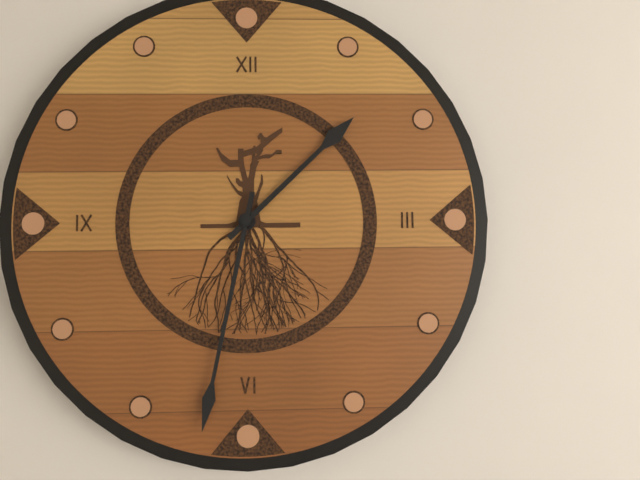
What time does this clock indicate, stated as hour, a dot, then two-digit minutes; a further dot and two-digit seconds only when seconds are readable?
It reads 1.32
